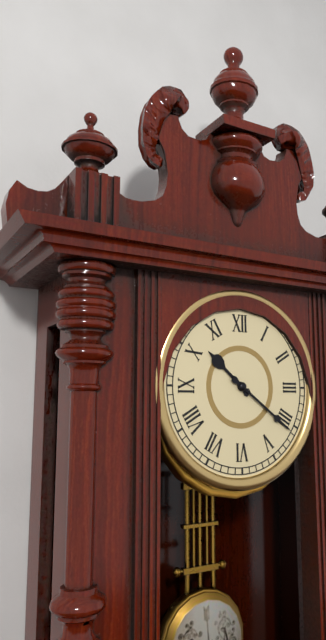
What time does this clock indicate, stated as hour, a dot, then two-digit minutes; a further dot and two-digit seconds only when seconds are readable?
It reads 10.21
